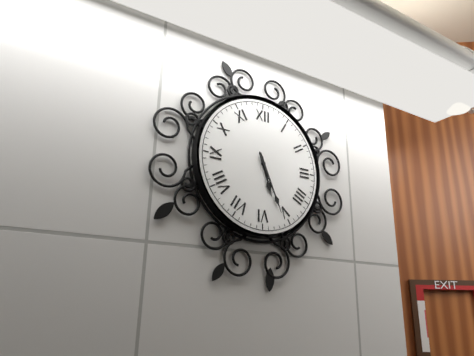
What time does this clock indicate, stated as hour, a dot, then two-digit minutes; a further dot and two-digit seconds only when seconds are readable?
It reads 5.26
